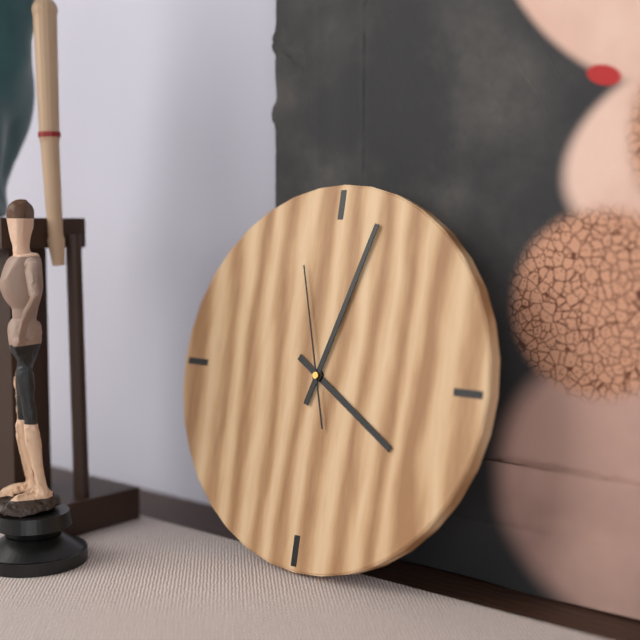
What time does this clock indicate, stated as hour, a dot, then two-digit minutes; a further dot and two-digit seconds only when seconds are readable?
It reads 4.03.57
